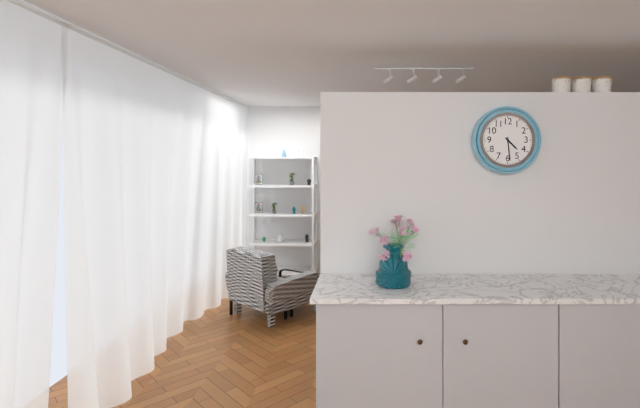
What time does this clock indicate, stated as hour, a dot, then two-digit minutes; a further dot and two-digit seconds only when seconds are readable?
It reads 4.29
